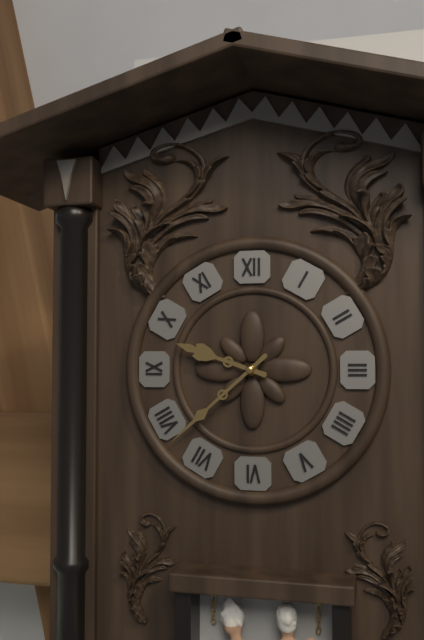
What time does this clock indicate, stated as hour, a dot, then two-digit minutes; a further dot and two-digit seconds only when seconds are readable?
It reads 9.38
